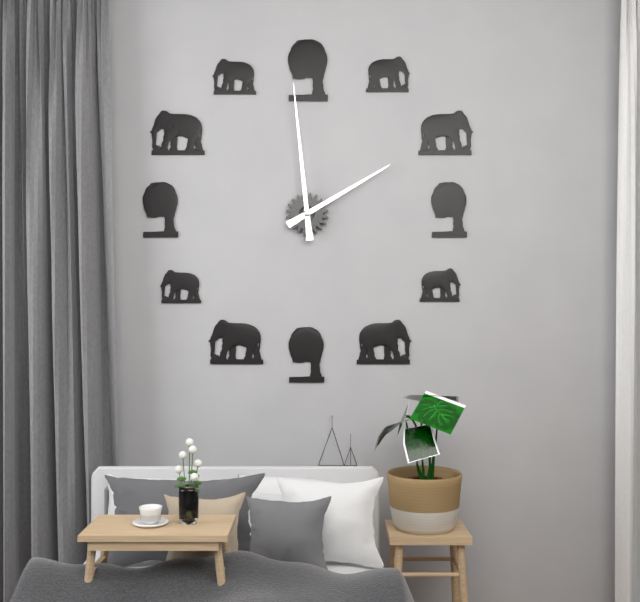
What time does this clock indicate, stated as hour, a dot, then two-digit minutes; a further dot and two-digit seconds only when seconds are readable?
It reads 1.59
